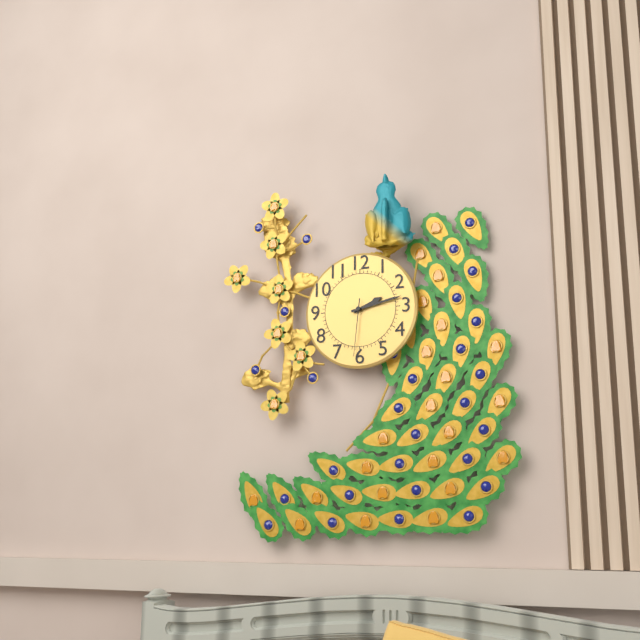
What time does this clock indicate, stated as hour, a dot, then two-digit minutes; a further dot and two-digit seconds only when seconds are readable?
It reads 2.13.31
